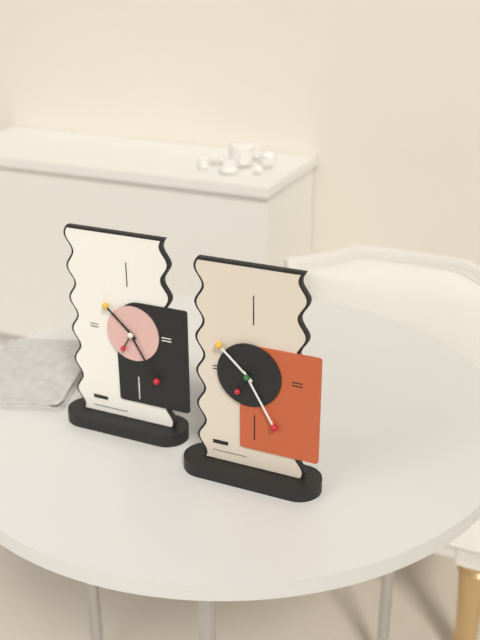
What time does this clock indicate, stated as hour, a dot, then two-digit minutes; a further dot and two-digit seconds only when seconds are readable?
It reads 10.25
